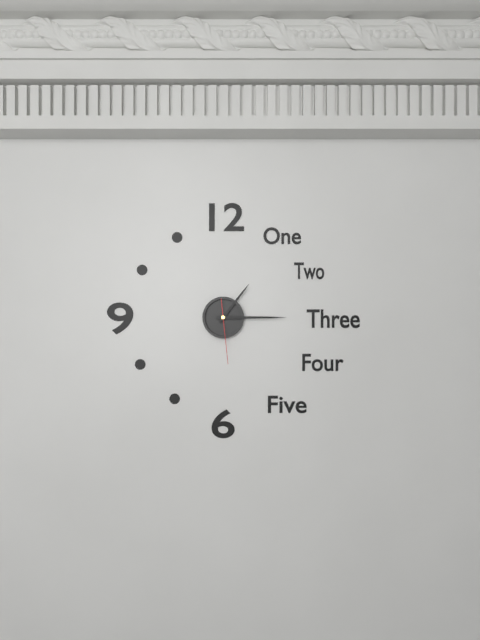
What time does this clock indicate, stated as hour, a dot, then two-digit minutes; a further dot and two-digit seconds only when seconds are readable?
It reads 1.15.29
